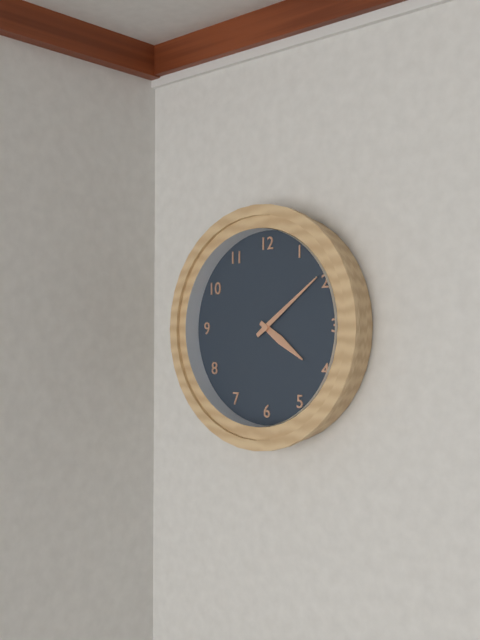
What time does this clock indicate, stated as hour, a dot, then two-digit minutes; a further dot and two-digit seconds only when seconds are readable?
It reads 4.09
